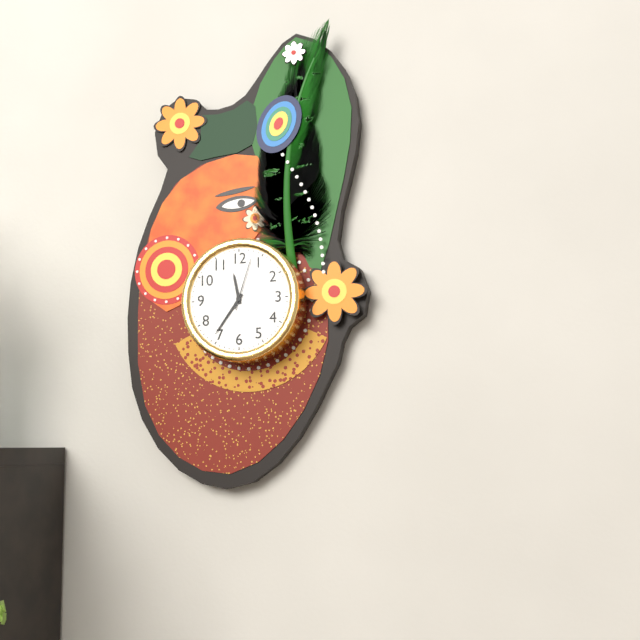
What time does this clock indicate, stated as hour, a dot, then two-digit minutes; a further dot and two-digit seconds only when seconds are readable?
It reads 11.36.03
